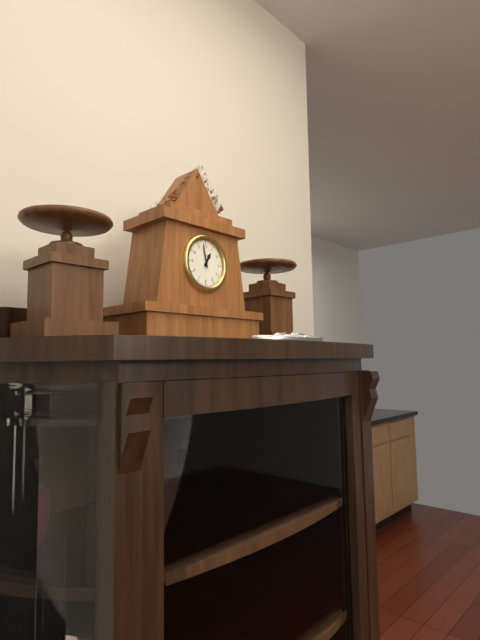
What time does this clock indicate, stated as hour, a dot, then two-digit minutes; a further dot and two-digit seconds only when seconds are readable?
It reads 12.58
